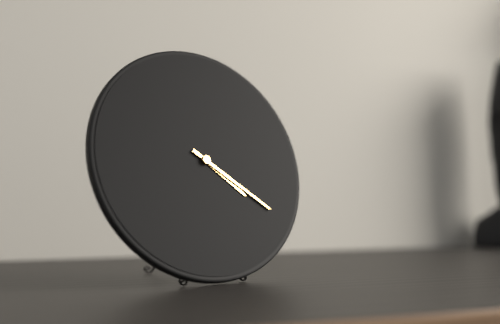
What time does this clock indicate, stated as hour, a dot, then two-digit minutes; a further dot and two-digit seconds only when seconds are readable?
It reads 4.21
